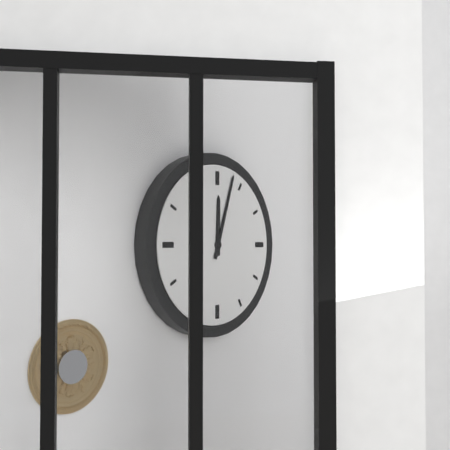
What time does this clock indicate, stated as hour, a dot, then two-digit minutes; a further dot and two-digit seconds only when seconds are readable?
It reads 12.03
